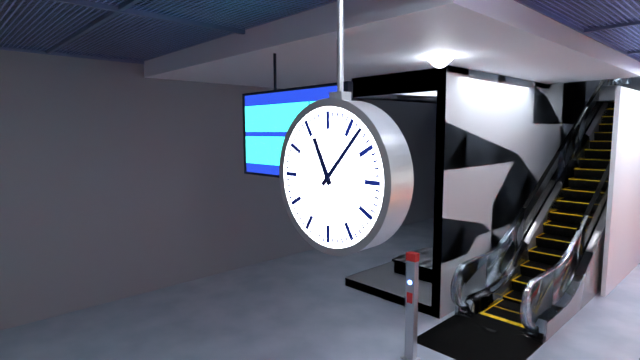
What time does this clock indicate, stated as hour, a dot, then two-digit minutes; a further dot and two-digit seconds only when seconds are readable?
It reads 11.07
